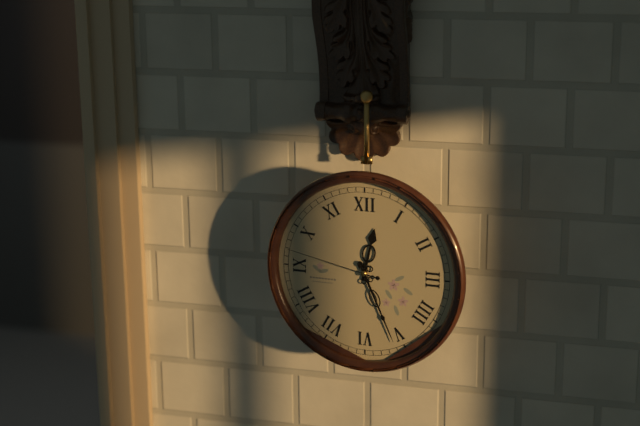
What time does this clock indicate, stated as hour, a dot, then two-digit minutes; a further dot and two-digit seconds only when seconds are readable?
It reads 12.26.47
